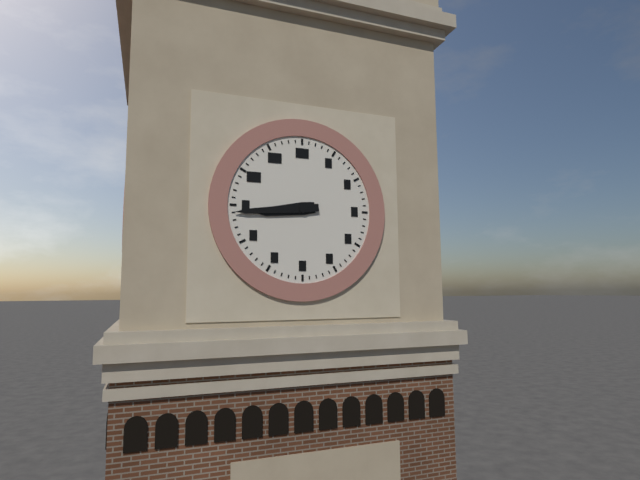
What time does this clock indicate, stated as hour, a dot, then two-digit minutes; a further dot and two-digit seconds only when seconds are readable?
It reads 8.44
